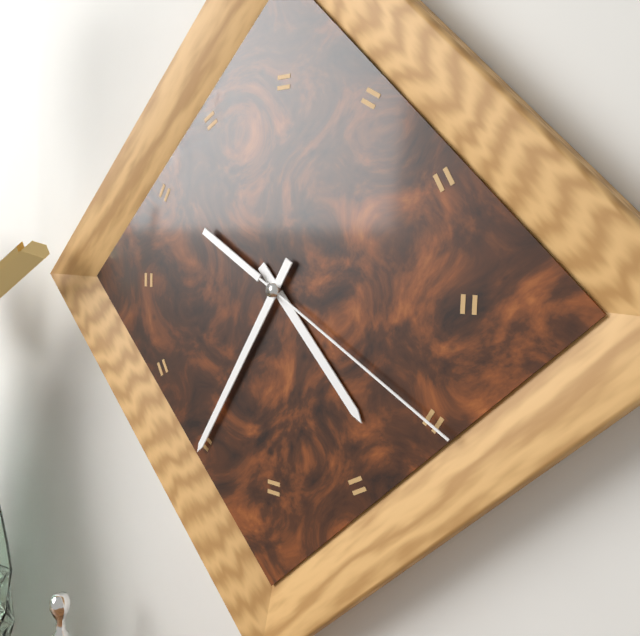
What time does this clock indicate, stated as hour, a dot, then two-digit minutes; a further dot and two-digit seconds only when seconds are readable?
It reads 4.35.20
